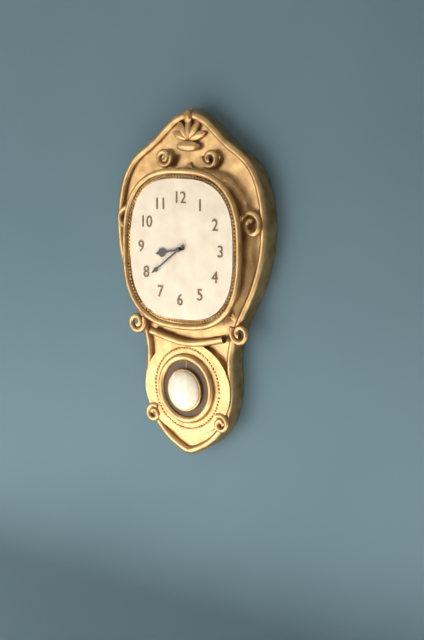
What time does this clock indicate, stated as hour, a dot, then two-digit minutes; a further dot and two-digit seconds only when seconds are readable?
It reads 8.39
